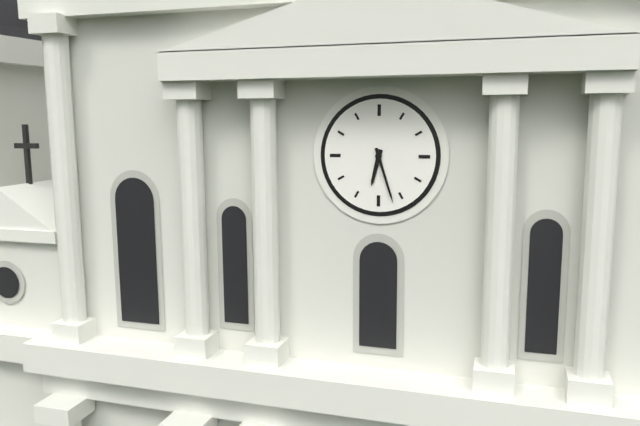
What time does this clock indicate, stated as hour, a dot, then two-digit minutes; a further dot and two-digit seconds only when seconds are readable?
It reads 6.27
